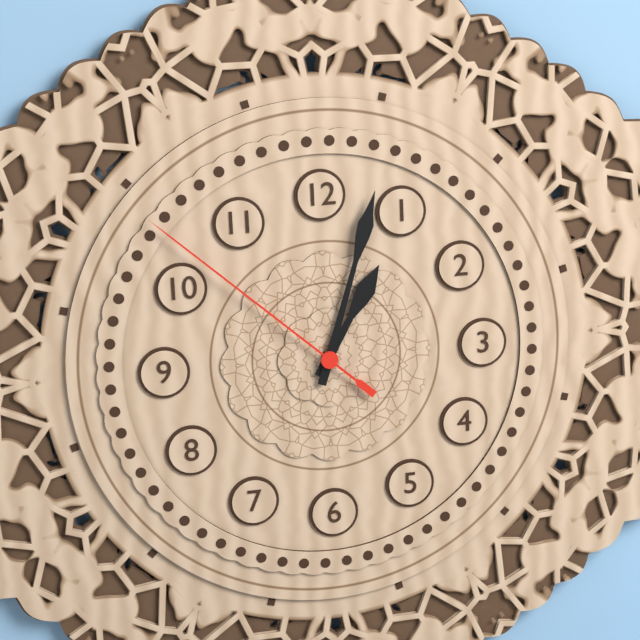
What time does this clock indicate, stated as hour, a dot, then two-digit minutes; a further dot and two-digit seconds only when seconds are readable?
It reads 1.03.52
